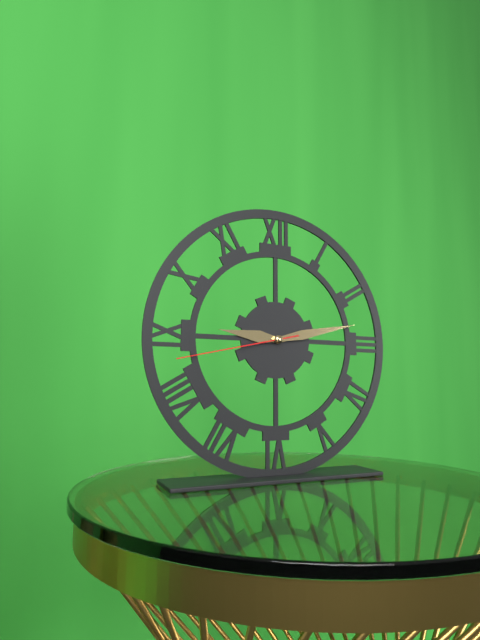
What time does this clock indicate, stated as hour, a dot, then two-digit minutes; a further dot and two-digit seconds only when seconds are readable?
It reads 9.13.43
